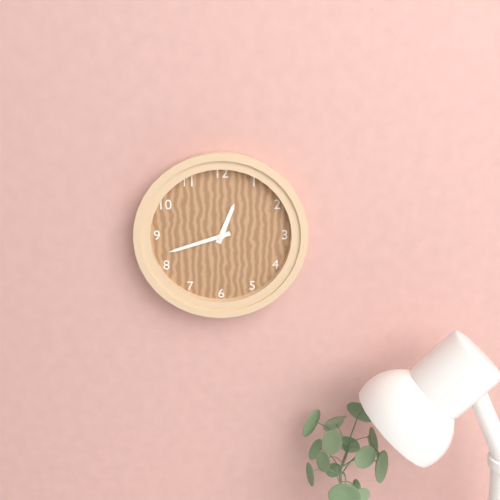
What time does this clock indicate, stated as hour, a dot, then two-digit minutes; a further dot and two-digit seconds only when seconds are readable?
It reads 12.42
